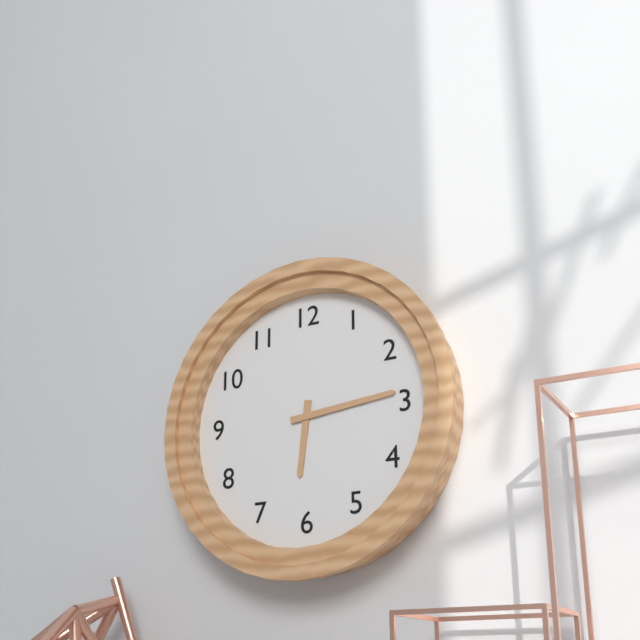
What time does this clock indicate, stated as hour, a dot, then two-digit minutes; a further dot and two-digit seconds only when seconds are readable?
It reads 6.14
